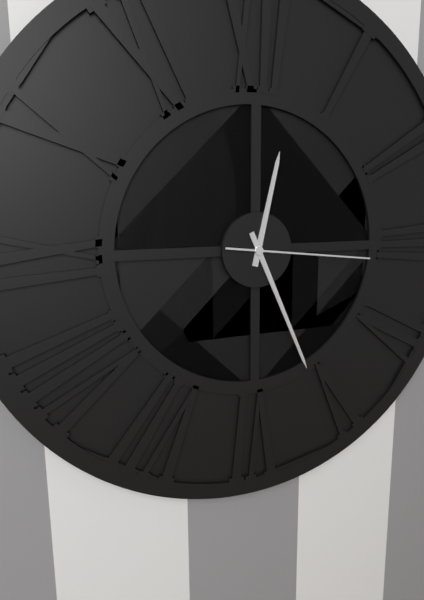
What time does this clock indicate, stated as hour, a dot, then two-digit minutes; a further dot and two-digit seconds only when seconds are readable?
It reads 12.26.16
